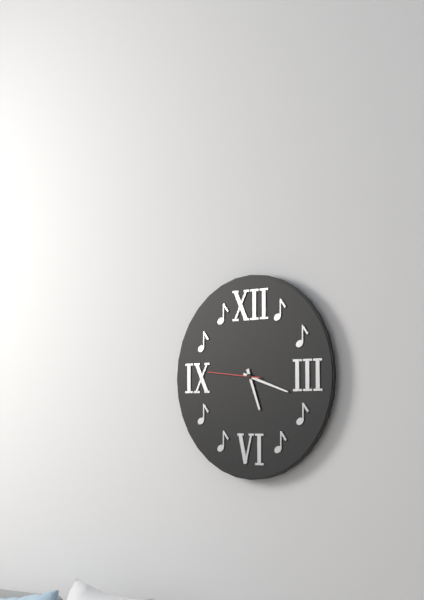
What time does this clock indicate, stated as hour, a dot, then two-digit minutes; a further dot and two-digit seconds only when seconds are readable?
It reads 5.18.46
